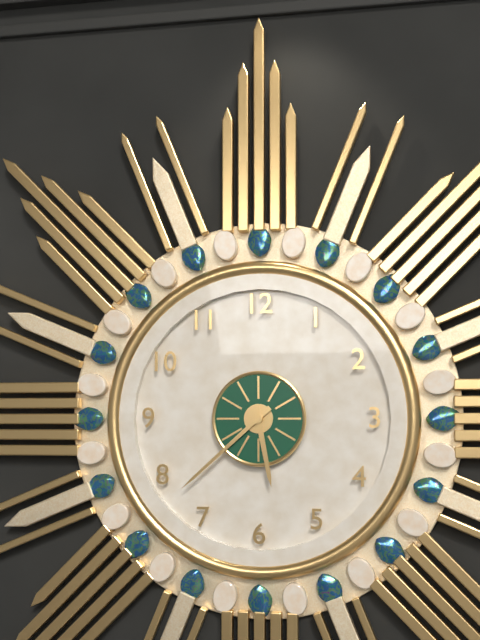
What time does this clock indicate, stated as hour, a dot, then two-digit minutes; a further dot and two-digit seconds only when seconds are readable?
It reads 5.38
